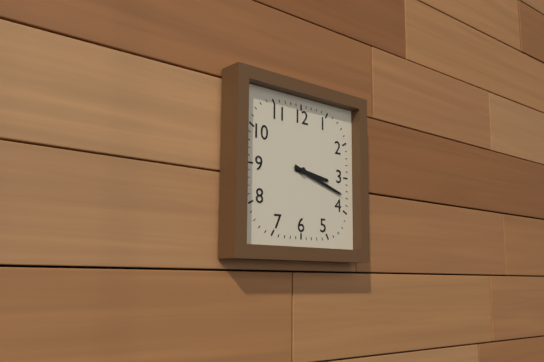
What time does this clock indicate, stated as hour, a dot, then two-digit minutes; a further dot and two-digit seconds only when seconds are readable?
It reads 3.18
